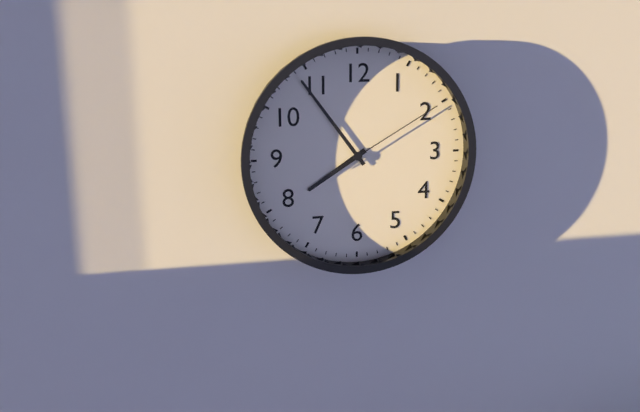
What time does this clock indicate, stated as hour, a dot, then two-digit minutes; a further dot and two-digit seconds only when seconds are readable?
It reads 7.54.10
